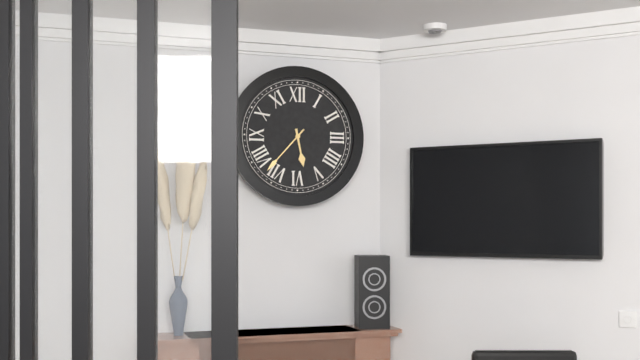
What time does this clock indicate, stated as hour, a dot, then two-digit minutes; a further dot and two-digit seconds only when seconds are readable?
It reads 5.37
